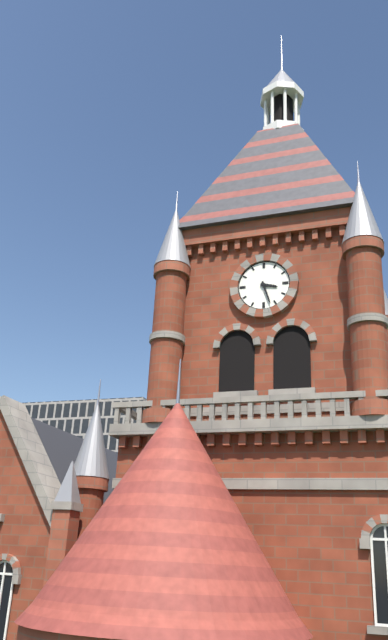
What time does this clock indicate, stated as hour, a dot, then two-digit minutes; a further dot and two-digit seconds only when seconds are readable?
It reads 3.27
